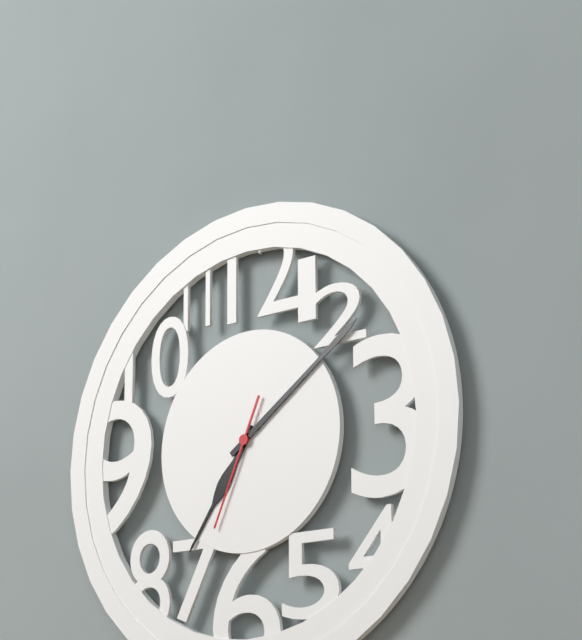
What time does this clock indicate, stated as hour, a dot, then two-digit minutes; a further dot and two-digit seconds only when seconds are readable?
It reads 7.09.34
